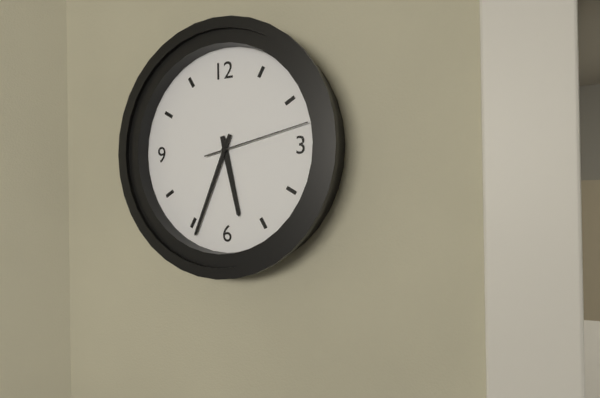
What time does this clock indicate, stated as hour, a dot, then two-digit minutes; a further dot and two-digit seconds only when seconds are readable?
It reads 5.34.13
